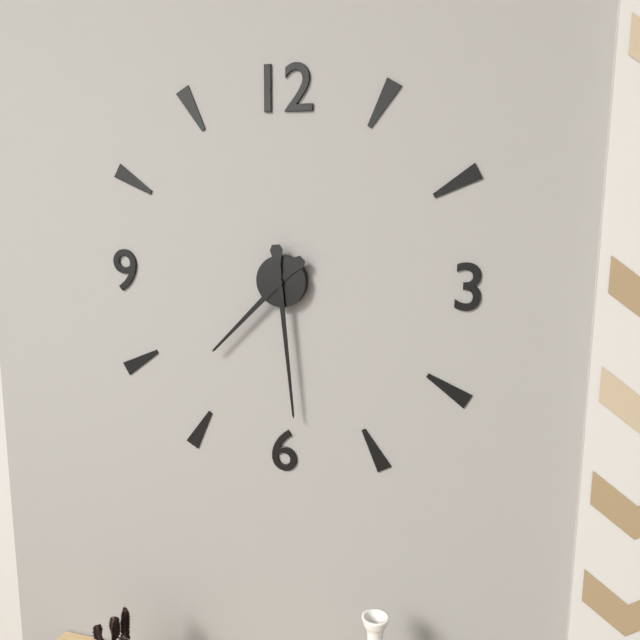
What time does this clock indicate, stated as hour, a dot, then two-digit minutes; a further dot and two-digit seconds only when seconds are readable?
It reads 7.29
